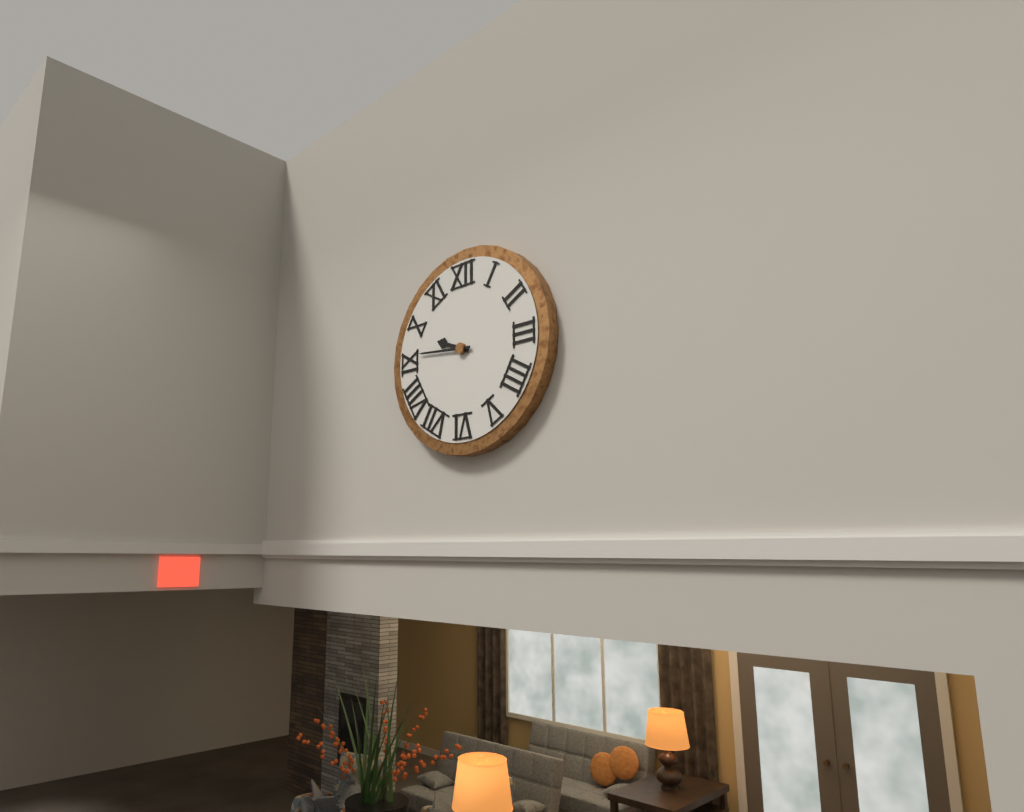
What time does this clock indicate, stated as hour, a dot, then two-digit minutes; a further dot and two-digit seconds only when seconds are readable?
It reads 9.46
